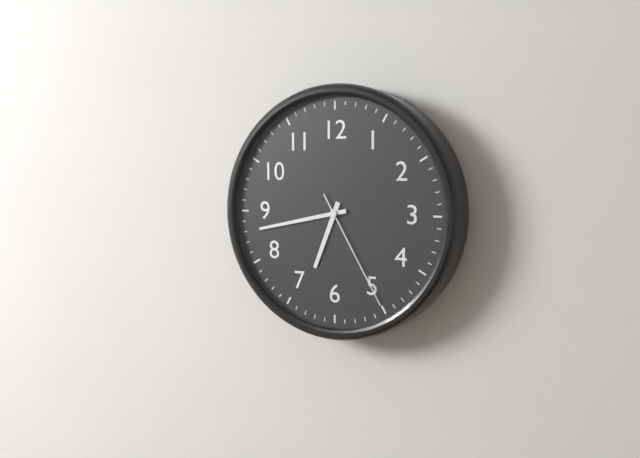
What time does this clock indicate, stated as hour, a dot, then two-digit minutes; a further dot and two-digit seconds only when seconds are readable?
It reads 6.43.25
